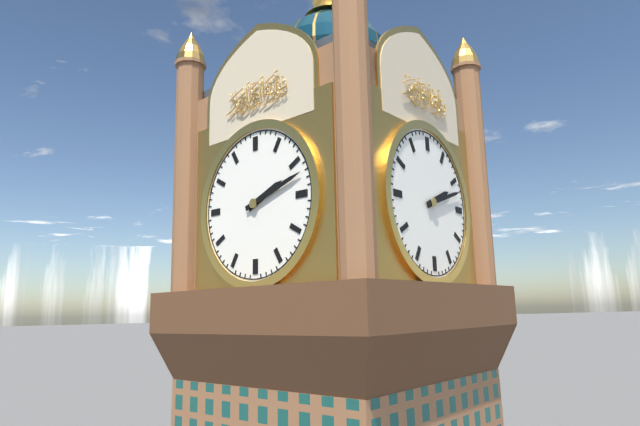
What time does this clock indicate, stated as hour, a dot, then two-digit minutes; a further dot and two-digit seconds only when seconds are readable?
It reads 2.12
